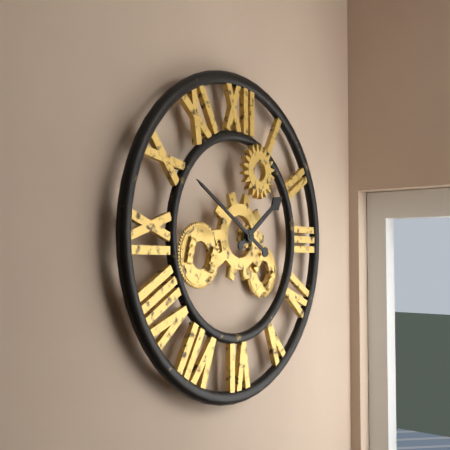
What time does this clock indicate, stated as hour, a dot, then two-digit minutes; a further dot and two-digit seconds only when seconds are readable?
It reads 1.50
